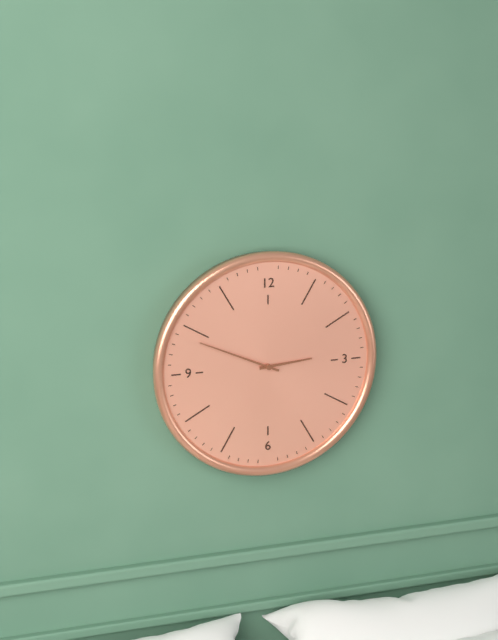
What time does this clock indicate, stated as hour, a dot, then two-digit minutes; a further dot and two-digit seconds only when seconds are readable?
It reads 2.49
